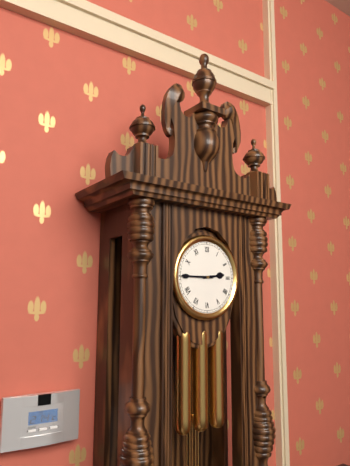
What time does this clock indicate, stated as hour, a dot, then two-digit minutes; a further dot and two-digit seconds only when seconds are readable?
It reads 2.45
